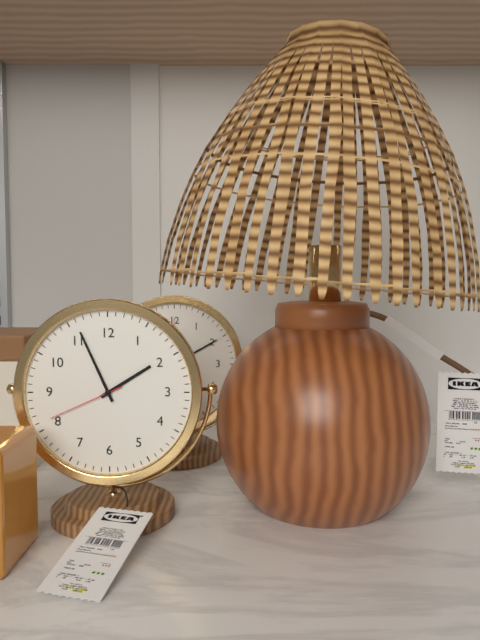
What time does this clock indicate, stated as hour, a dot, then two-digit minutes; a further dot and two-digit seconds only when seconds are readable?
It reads 1.56.41
